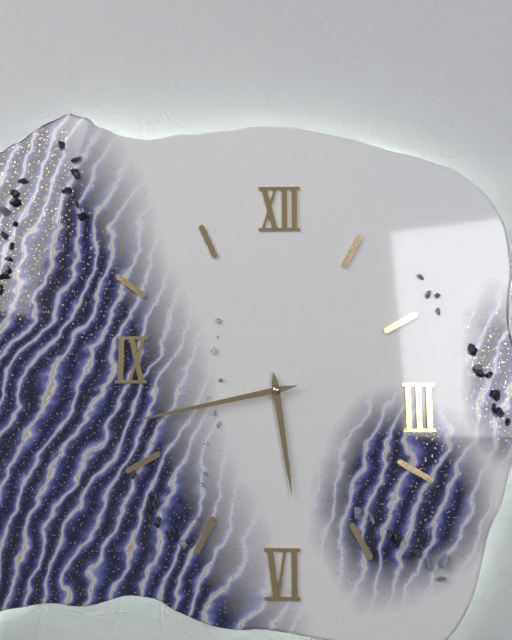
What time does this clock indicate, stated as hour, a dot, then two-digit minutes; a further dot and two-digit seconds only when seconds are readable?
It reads 5.43
